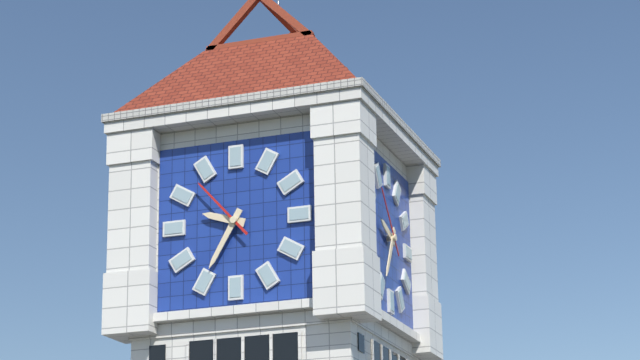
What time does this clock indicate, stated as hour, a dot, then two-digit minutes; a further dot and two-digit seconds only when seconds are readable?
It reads 9.35.53
